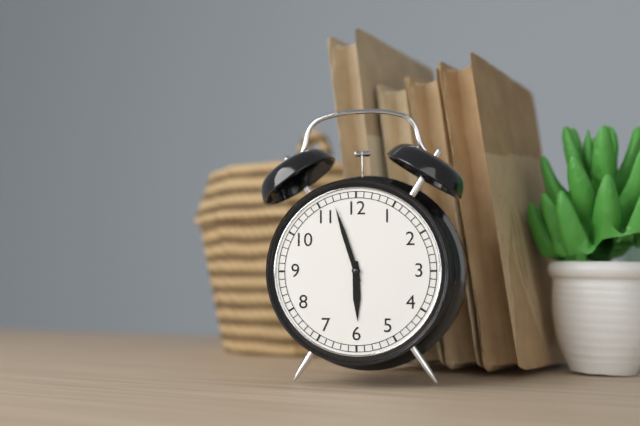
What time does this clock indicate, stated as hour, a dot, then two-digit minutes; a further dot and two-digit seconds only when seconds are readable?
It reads 5.57
